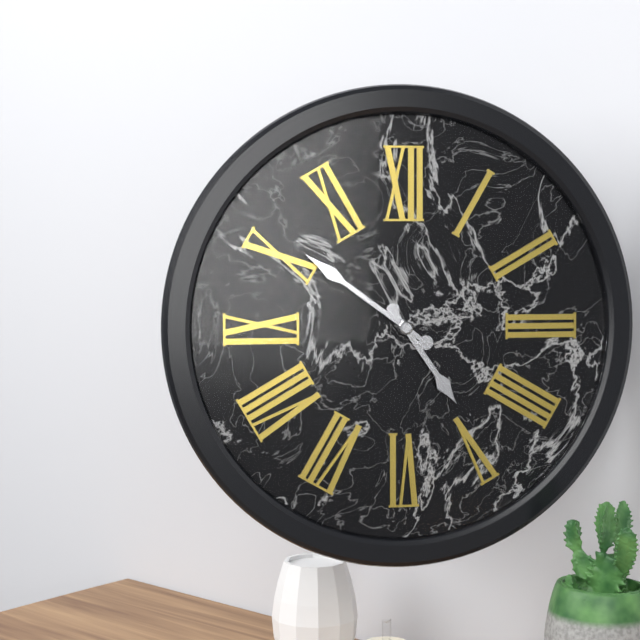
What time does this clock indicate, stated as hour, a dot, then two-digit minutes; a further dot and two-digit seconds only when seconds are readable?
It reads 4.51
